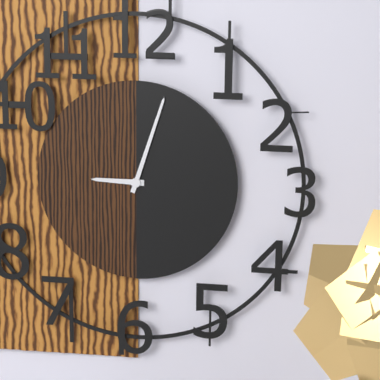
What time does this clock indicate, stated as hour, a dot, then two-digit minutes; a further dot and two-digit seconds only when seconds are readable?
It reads 9.03
